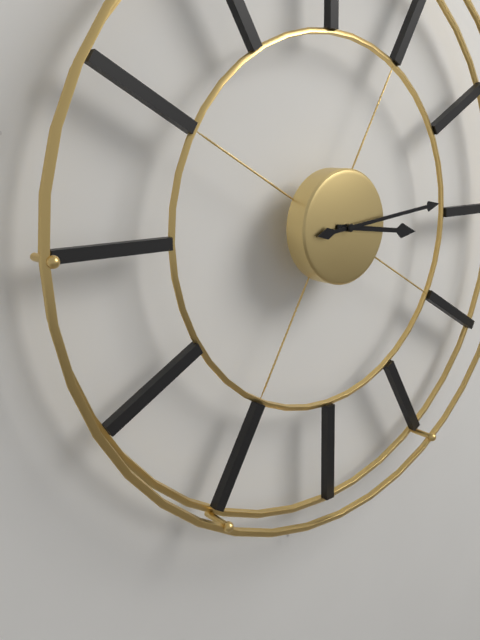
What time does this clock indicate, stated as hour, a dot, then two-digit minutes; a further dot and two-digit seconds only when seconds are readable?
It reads 3.14
